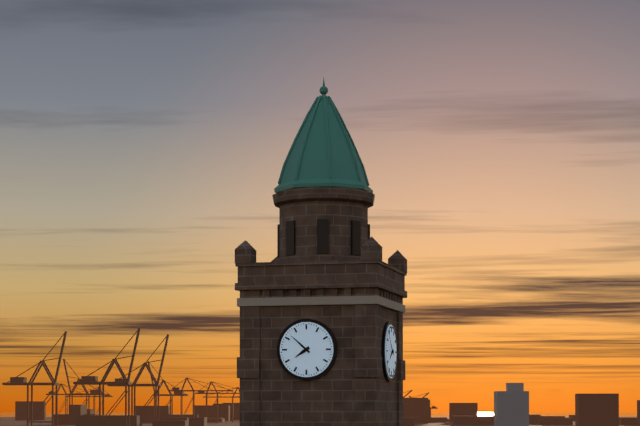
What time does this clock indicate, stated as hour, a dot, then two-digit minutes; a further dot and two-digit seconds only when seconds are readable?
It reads 7.52
